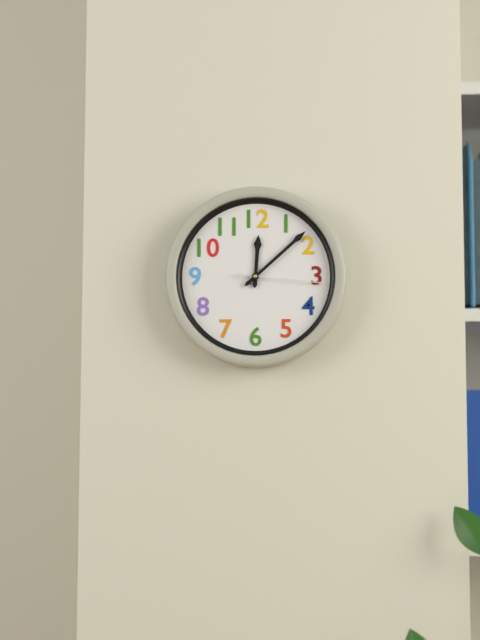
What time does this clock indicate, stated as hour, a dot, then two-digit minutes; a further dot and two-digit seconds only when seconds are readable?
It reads 12.08.16
